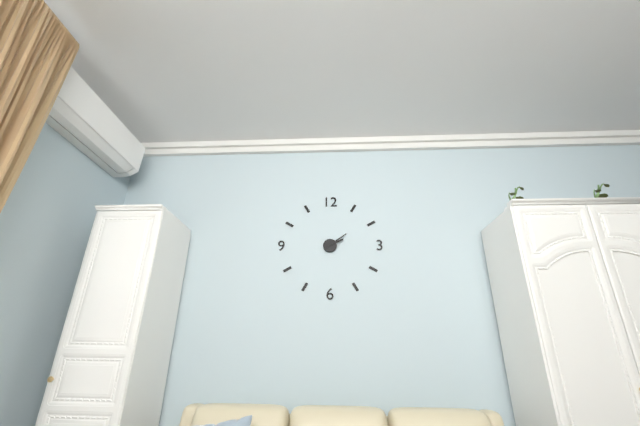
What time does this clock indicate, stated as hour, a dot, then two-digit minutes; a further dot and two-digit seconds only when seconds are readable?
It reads 2.09
